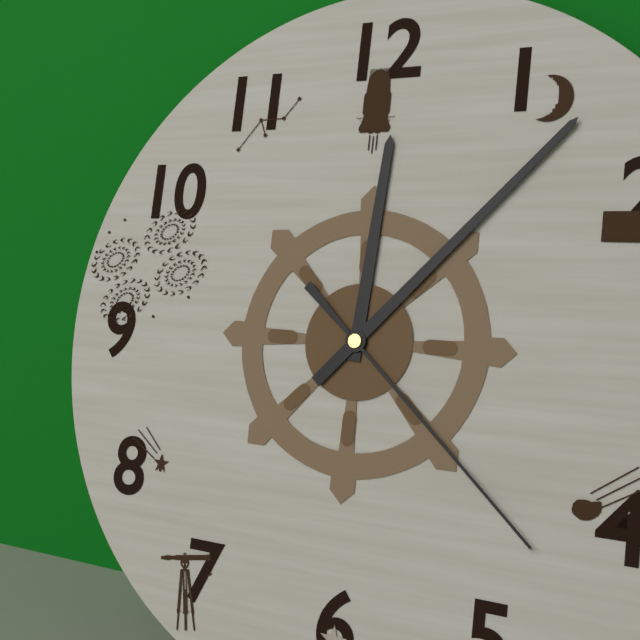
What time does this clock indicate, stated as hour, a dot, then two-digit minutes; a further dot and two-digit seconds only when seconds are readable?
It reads 12.07.22
